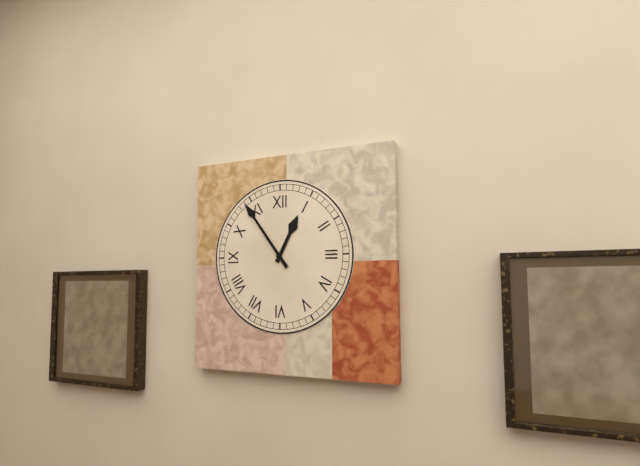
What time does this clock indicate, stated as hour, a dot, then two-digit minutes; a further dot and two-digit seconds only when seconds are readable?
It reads 12.54
